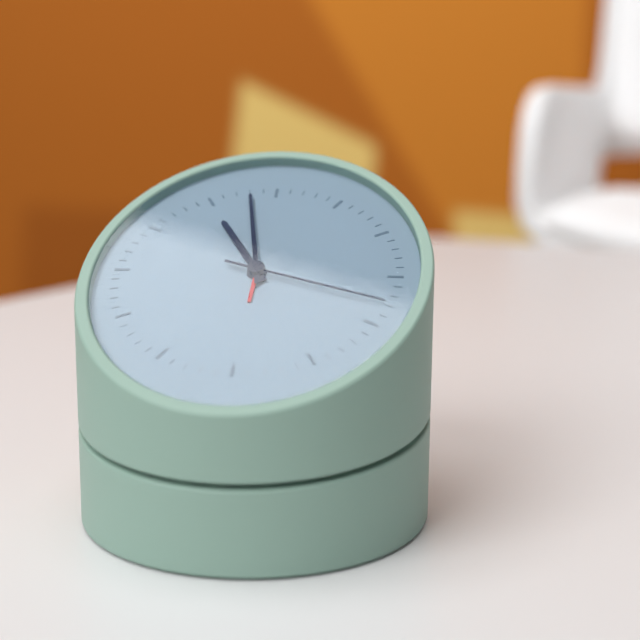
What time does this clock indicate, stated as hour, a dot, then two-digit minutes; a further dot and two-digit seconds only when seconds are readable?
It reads 10.58.18
